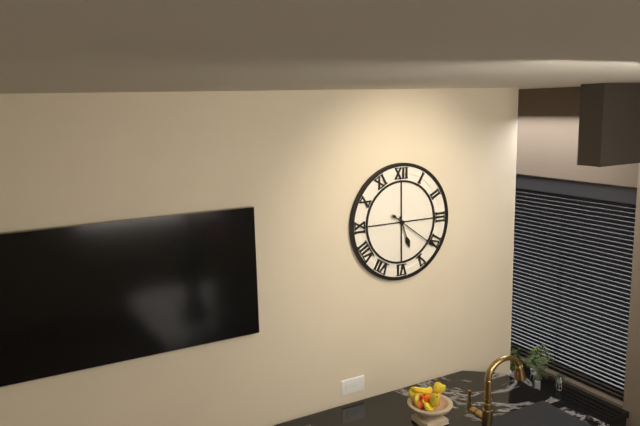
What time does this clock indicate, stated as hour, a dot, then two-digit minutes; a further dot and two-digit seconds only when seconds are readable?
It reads 5.21
